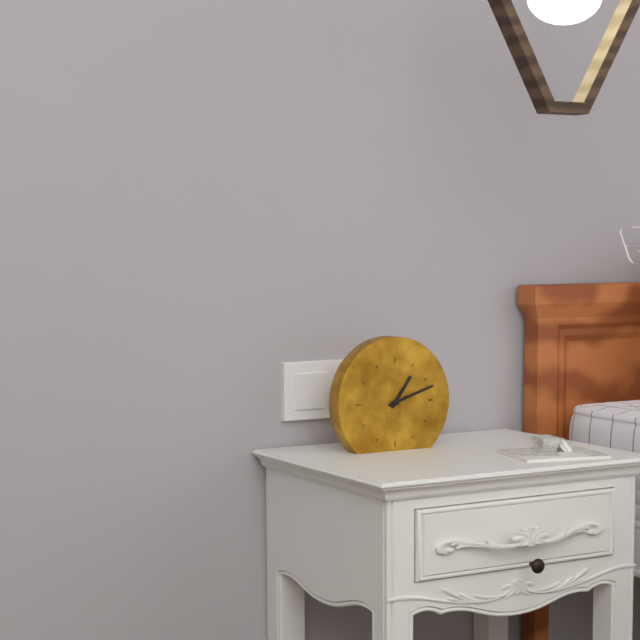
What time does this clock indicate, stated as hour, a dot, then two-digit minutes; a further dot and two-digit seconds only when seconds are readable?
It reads 1.12
